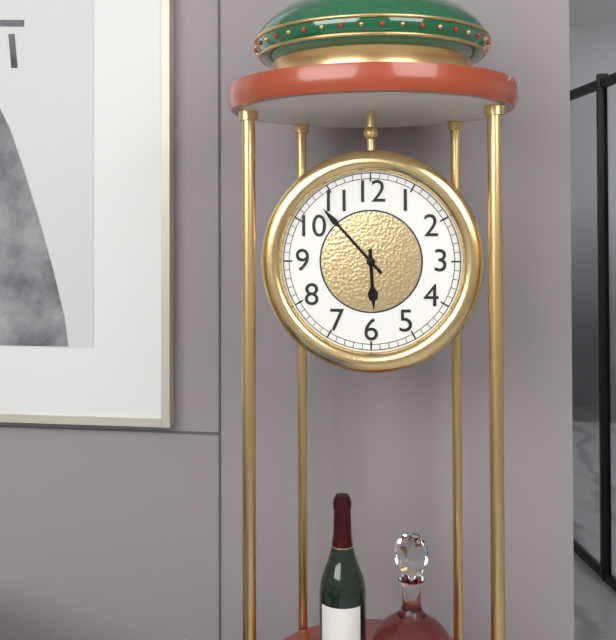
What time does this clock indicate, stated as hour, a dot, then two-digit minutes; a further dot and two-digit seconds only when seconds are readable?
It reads 5.53
